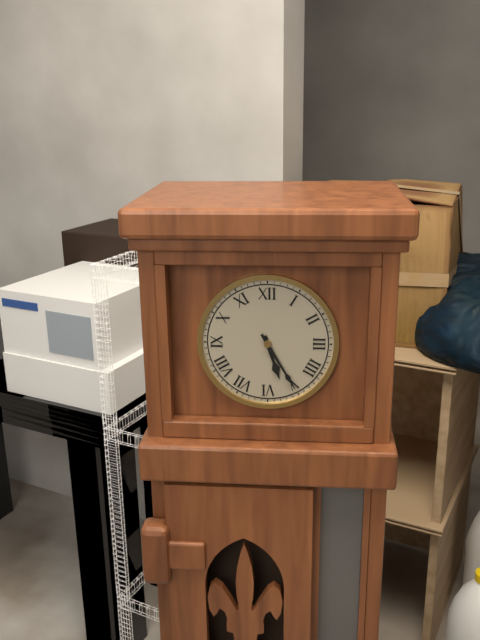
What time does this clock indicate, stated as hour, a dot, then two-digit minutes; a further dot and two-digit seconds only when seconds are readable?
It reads 5.25
